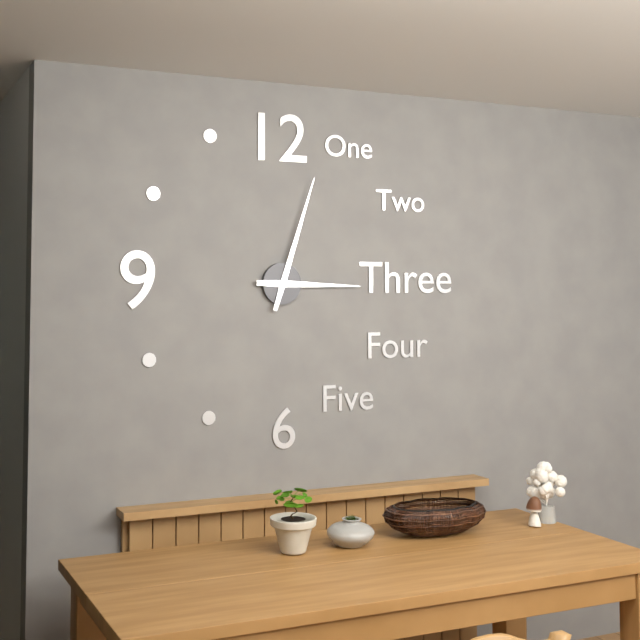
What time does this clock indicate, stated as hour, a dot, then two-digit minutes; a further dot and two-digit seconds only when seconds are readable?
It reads 3.03
